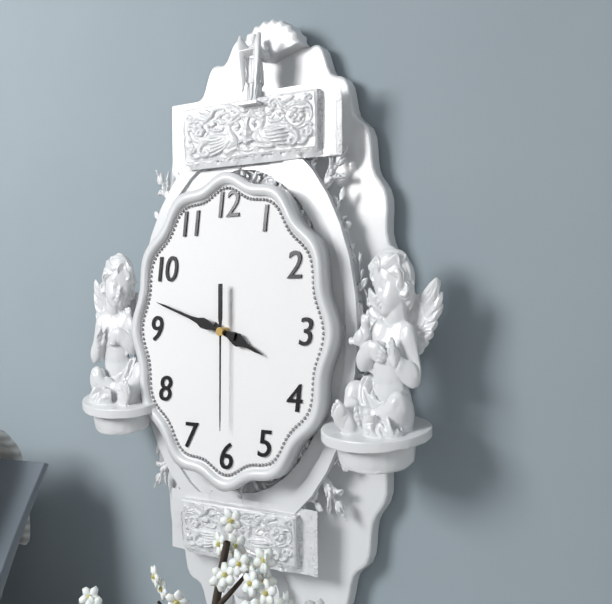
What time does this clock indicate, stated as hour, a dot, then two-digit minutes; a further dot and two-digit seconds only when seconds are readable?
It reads 3.48.30
